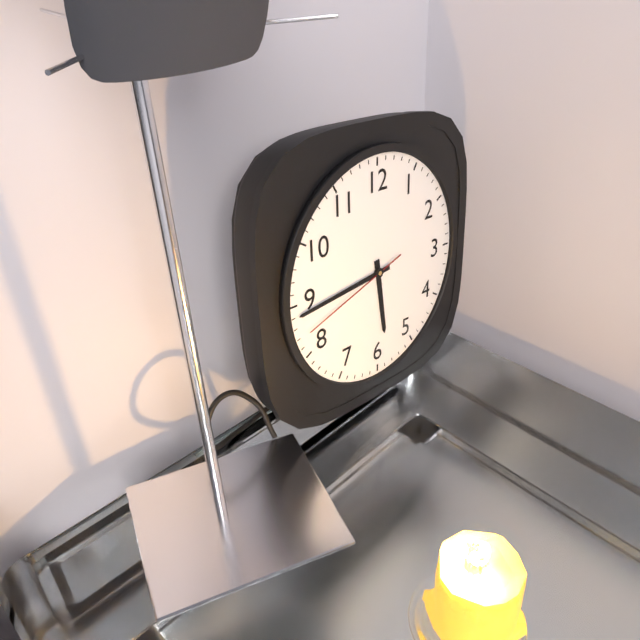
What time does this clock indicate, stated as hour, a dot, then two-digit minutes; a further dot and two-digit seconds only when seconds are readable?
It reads 5.44.42
